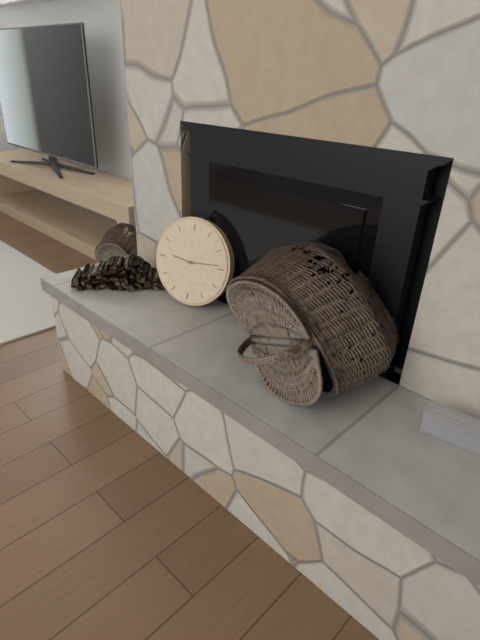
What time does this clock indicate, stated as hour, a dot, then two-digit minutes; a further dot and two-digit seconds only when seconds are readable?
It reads 9.14
